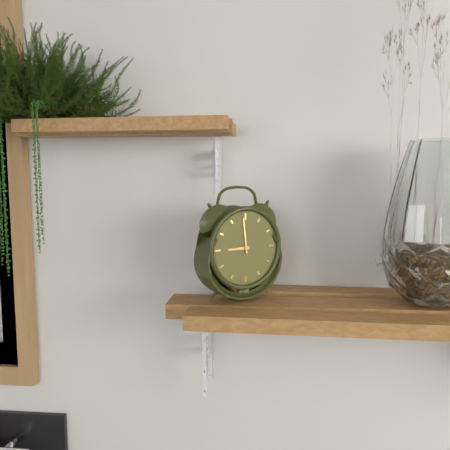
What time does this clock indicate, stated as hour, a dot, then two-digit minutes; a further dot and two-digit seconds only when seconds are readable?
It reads 8.59
